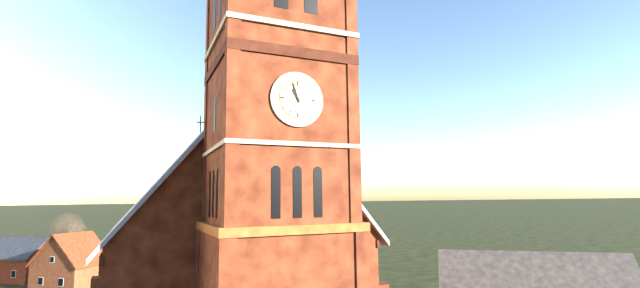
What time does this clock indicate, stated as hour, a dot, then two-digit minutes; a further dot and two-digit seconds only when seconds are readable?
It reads 10.57
